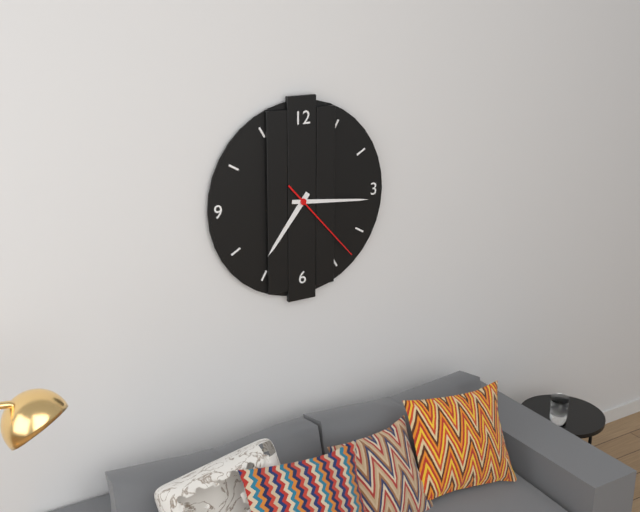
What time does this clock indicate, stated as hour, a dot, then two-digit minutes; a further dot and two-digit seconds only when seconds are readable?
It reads 7.16.23
